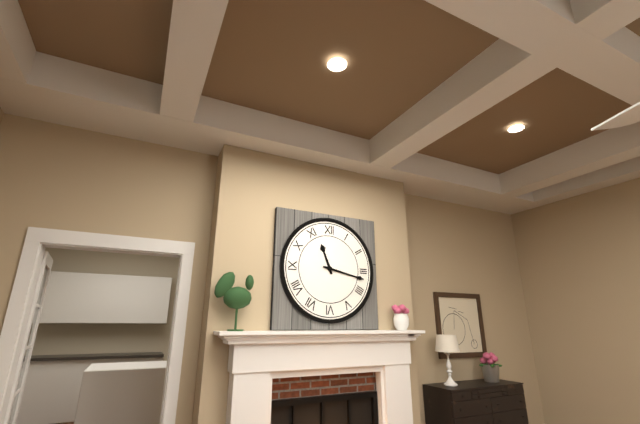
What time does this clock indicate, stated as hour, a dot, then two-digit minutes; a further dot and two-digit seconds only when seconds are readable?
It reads 11.17
